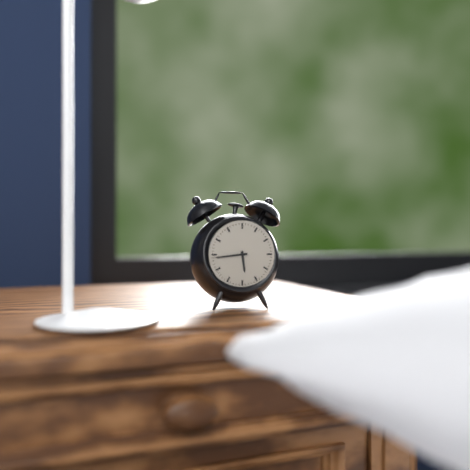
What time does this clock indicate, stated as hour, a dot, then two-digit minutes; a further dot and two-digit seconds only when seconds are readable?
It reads 5.44
